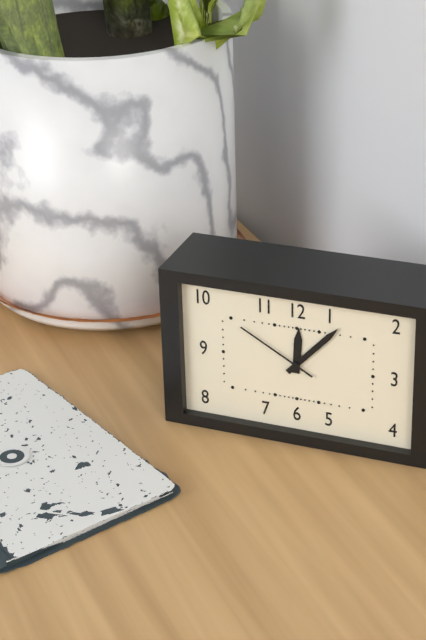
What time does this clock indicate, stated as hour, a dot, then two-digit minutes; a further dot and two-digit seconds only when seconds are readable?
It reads 12.07.50
